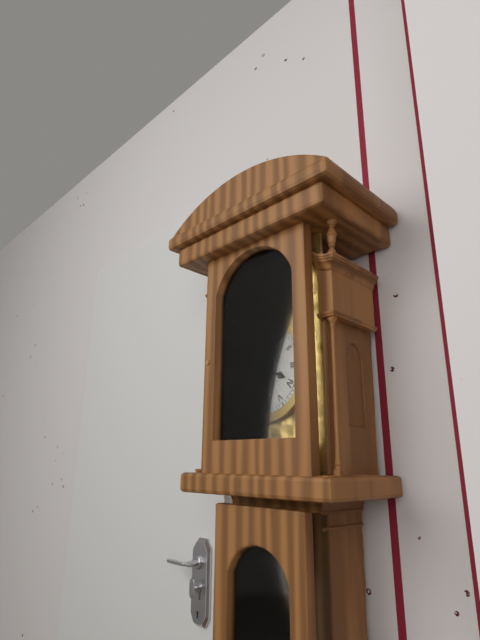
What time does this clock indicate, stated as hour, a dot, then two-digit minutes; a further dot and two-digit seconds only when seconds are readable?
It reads 3.48
